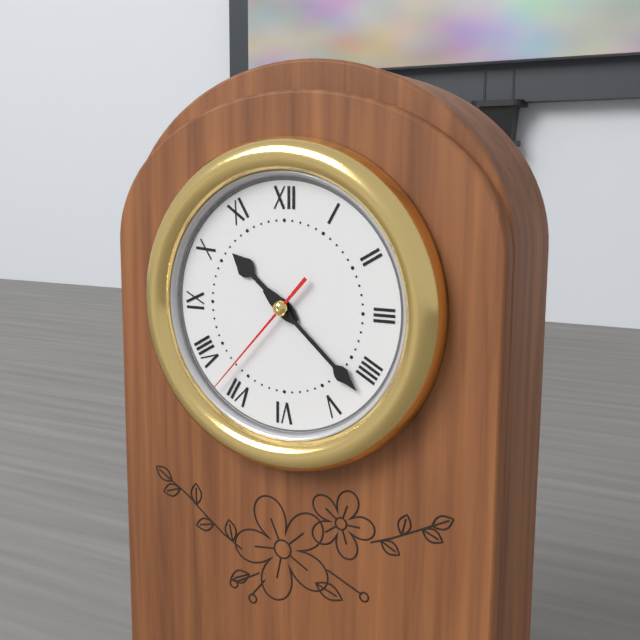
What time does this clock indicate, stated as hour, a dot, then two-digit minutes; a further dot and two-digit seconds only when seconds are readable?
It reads 10.22.37
